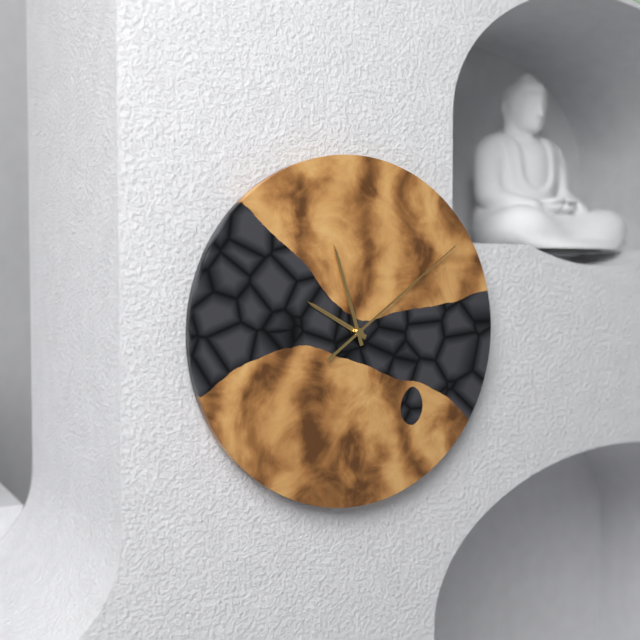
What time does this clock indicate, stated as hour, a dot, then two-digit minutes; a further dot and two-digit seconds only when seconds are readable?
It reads 9.57.09
